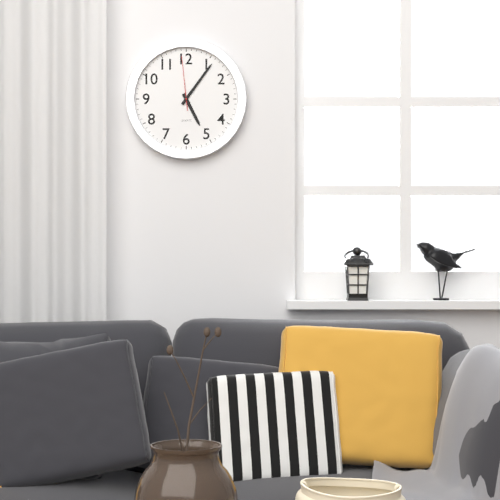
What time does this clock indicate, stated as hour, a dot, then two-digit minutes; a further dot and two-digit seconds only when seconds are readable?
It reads 5.06.59
